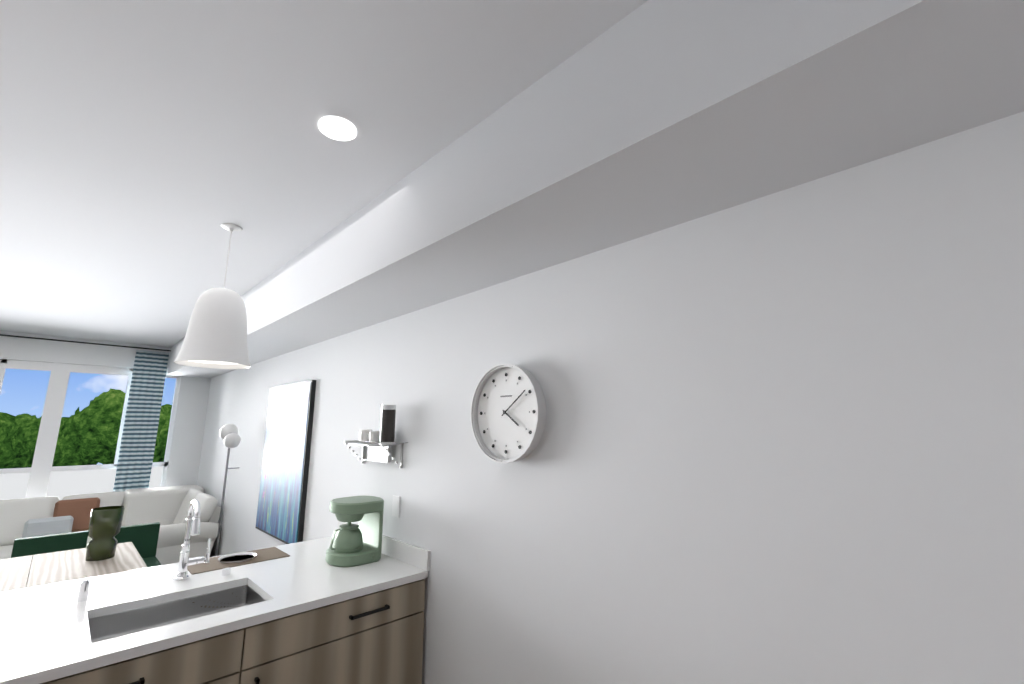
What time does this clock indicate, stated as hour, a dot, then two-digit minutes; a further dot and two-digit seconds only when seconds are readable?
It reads 4.09
